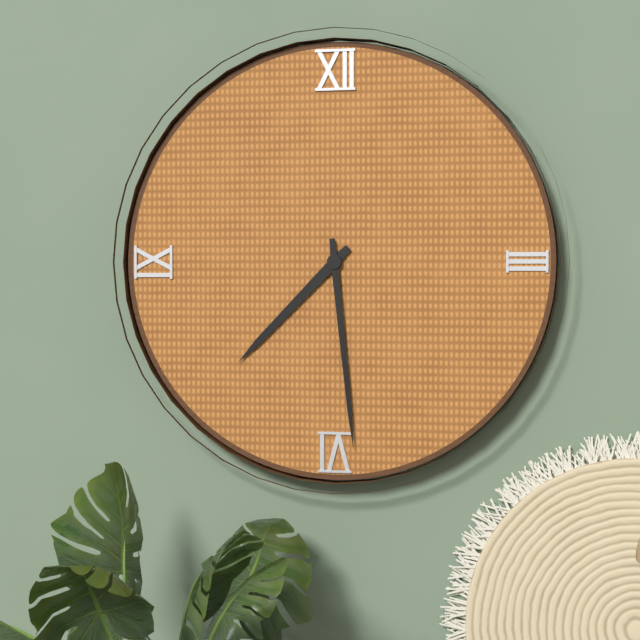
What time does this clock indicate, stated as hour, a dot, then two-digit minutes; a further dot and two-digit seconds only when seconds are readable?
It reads 7.29
